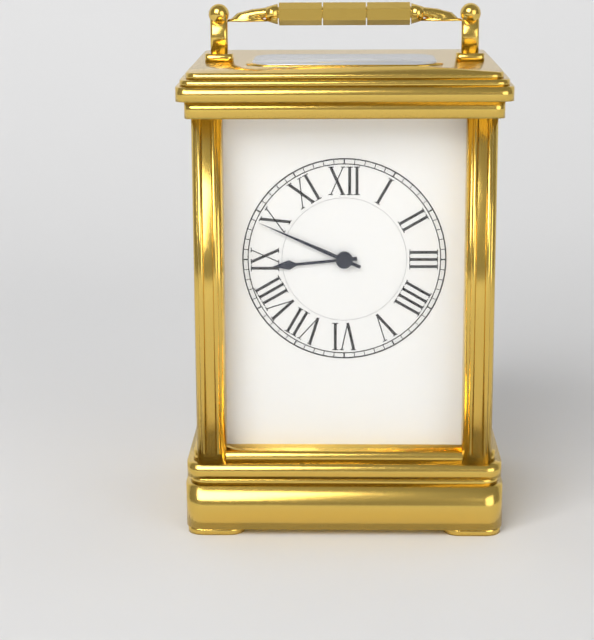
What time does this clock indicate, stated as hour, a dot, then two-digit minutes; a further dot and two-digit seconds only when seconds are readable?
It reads 8.49
